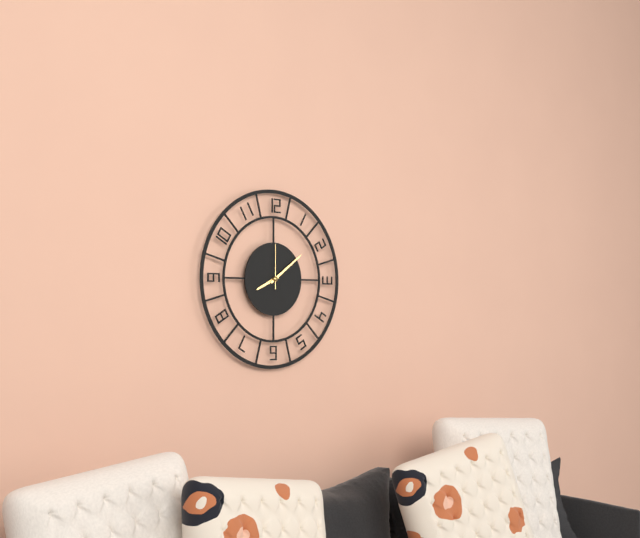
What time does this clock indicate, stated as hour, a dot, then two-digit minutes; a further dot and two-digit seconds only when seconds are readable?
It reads 8.09
